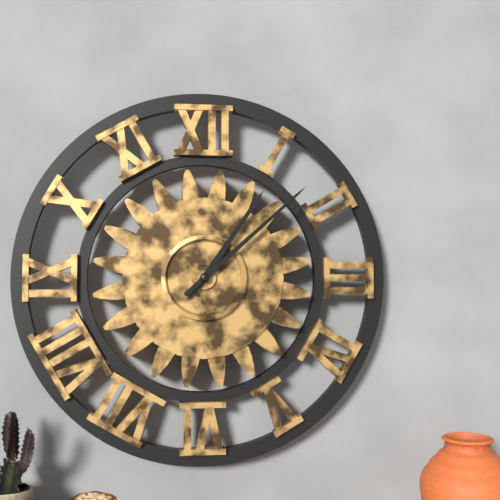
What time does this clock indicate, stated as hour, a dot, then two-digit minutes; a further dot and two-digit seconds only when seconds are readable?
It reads 1.08
